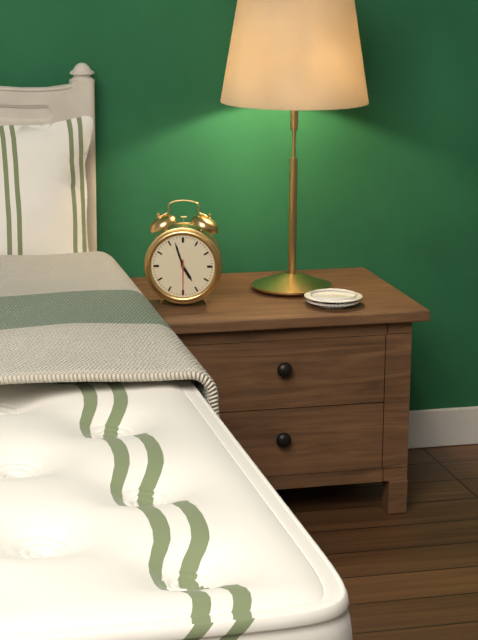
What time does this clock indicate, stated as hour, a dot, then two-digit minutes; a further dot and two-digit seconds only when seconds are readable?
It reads 4.57
